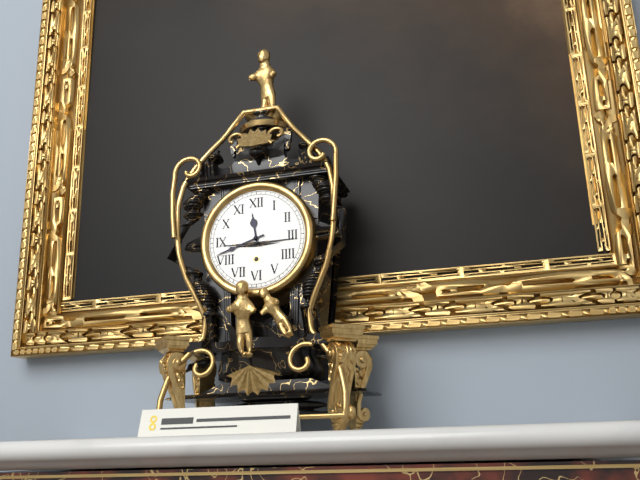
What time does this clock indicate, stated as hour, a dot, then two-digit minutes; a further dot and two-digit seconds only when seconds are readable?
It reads 11.42
